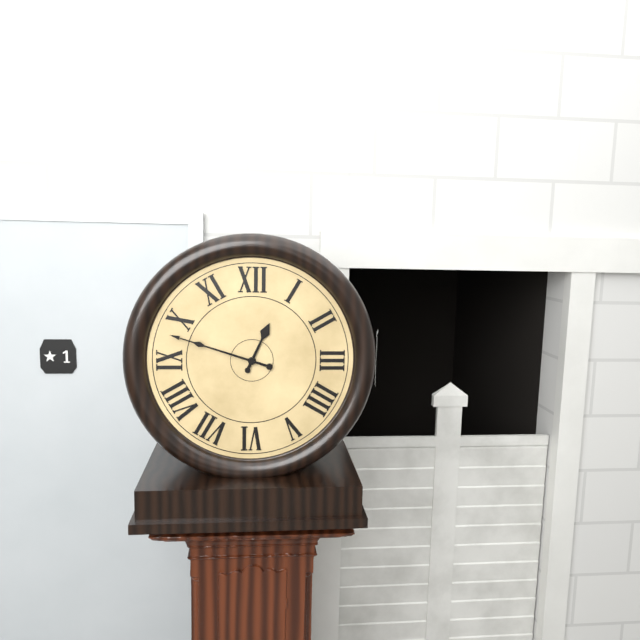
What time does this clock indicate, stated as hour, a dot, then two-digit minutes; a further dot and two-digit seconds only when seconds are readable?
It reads 12.48
